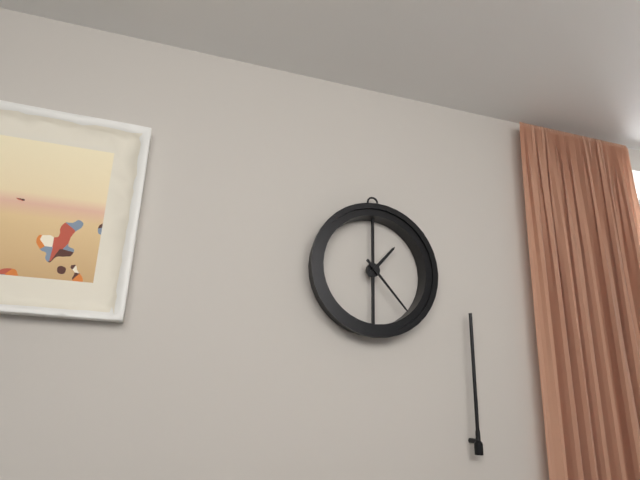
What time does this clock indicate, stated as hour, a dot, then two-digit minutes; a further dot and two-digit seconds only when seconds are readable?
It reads 1.23
